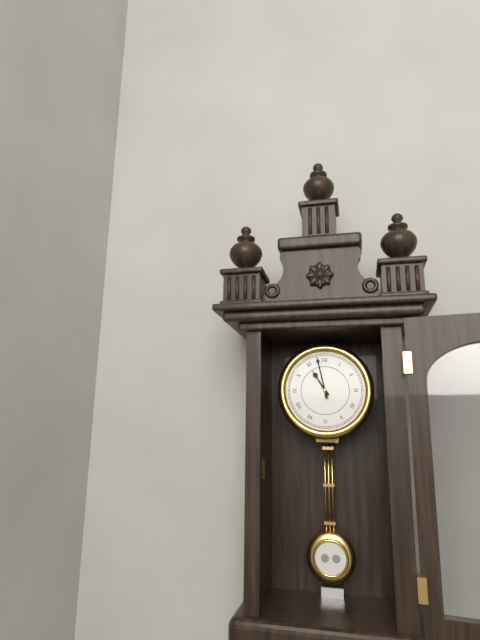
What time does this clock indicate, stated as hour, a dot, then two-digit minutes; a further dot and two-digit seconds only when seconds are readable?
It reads 10.58
